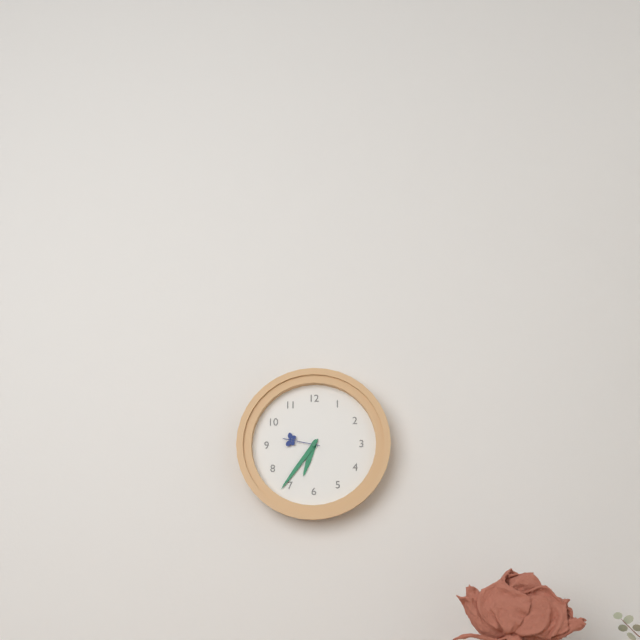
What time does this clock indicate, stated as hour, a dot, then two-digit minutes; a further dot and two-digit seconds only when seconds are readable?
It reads 6.36
